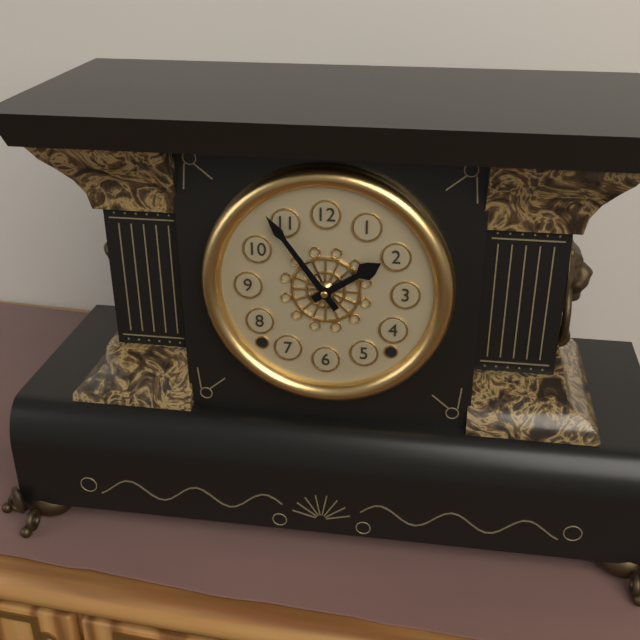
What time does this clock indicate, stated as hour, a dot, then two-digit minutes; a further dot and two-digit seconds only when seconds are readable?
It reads 1.54
